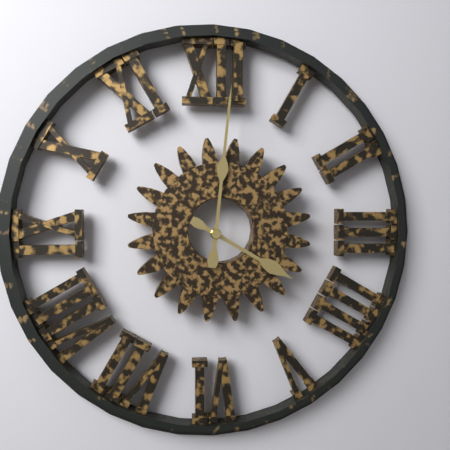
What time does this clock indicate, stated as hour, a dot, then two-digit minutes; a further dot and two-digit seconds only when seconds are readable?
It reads 4.01
